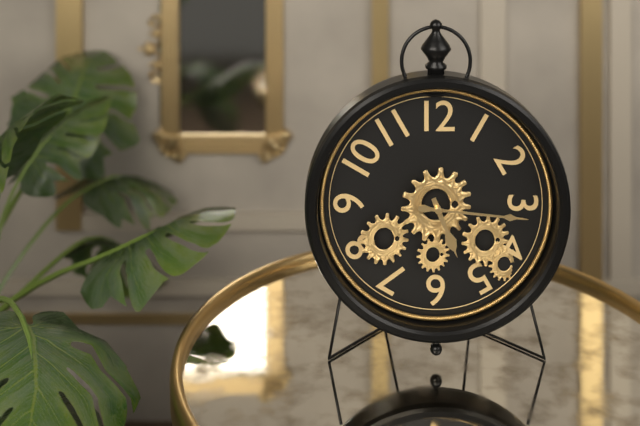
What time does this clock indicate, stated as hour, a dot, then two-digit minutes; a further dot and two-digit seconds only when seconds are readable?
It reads 5.16
